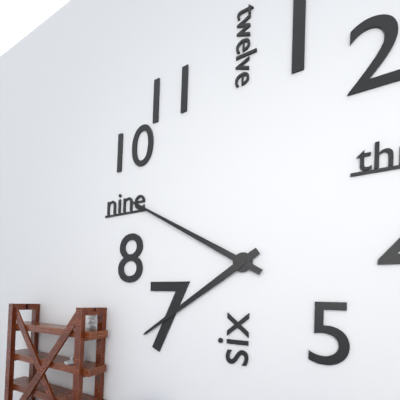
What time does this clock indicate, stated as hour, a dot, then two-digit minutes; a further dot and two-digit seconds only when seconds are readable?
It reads 7.50
